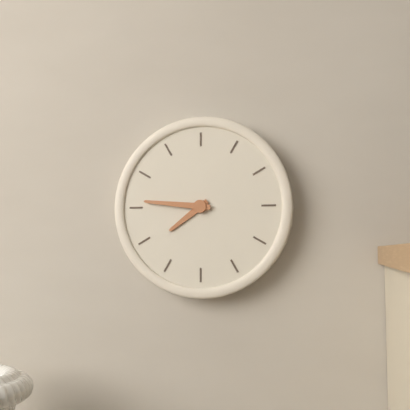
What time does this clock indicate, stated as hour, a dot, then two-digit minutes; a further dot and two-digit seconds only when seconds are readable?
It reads 7.46
